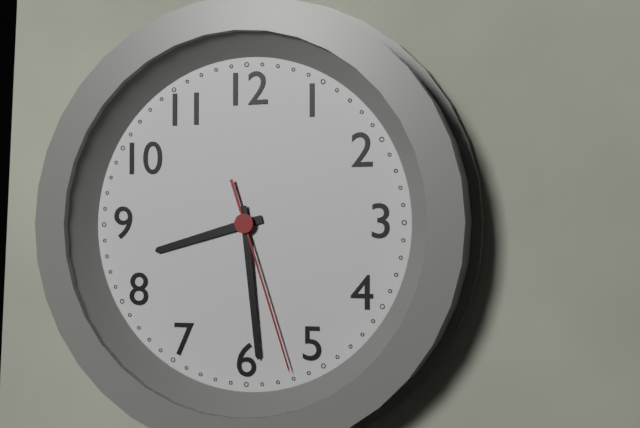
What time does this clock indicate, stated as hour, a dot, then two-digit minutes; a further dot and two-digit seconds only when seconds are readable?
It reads 8.29.27
